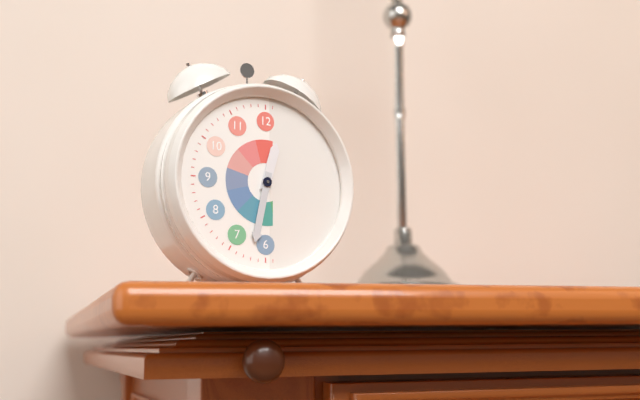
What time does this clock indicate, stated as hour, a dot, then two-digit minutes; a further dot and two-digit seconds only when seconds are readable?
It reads 12.32
